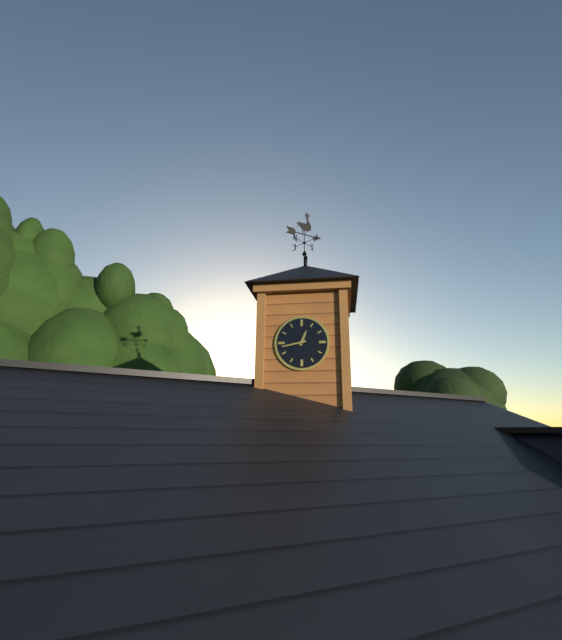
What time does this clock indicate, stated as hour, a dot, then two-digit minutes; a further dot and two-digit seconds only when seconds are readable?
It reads 12.43
